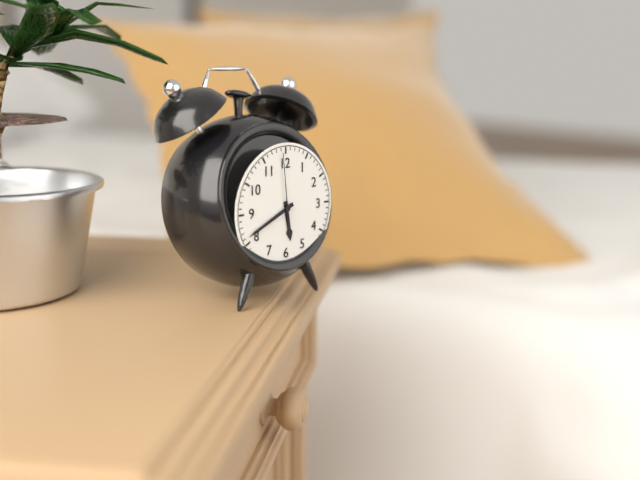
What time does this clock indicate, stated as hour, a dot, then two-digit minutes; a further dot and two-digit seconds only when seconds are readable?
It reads 5.41.59
